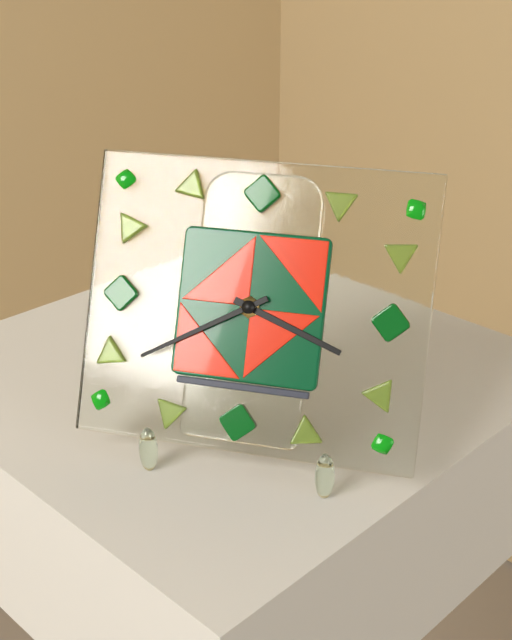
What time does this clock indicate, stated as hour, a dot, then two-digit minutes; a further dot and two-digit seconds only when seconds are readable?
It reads 3.40
